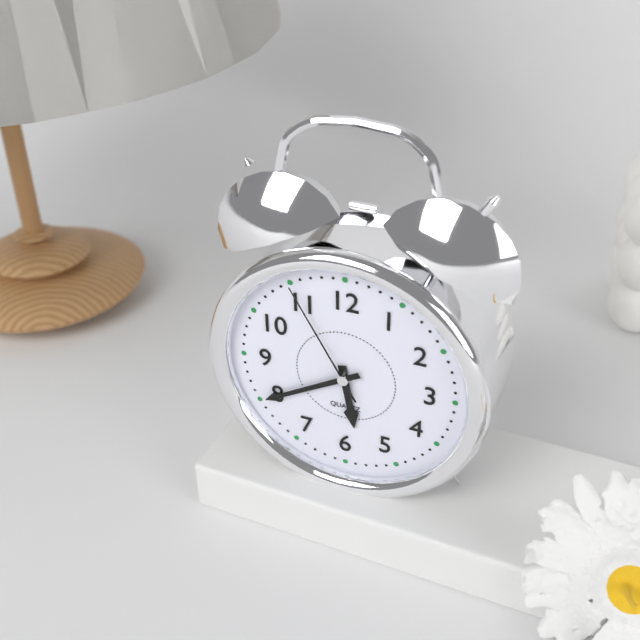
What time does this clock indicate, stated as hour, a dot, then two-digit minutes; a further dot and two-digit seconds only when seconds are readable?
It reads 5.40.55
